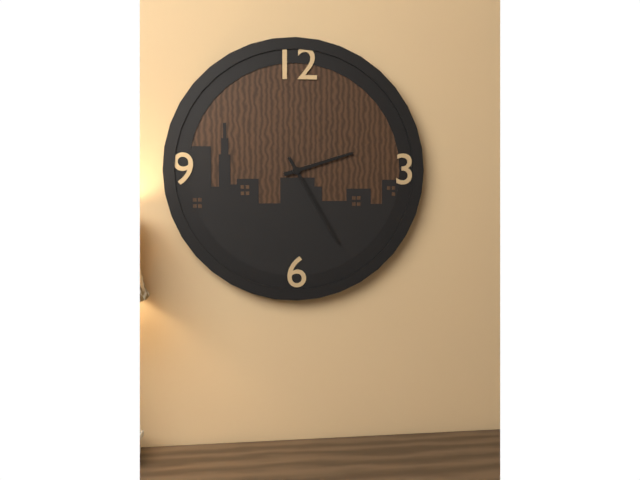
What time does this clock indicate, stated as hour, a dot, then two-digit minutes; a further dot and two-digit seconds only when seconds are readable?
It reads 2.25
